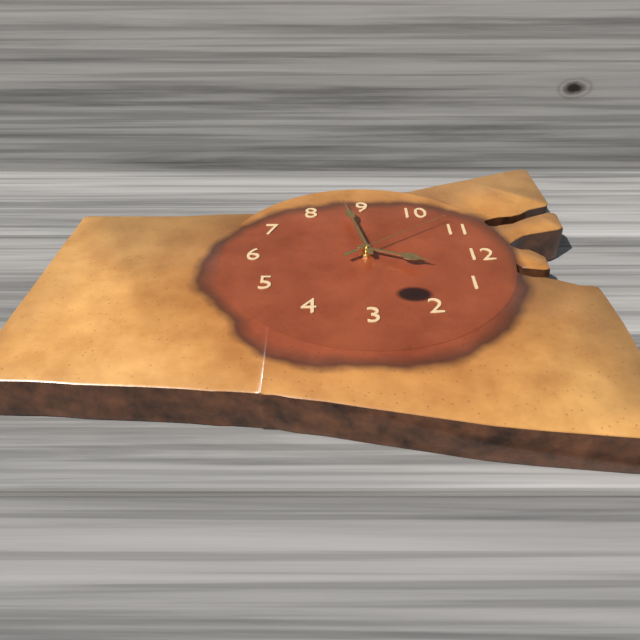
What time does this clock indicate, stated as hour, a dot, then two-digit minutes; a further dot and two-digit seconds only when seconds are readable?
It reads 12.43.54
